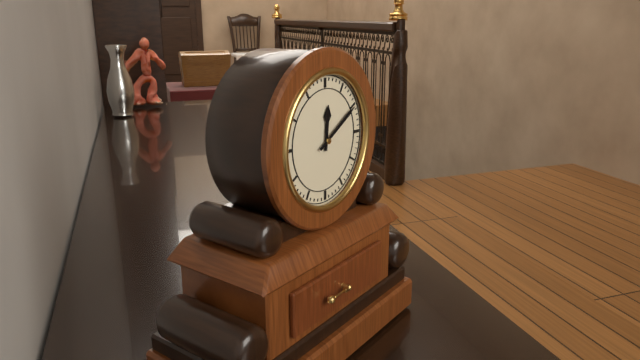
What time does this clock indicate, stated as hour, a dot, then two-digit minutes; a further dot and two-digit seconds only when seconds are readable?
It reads 12.10
